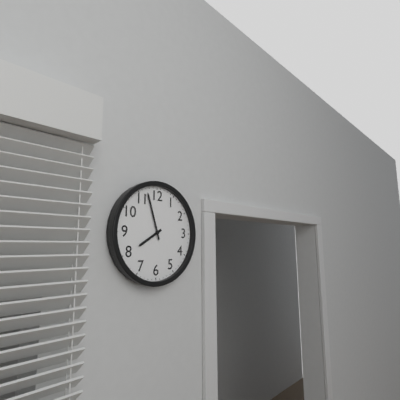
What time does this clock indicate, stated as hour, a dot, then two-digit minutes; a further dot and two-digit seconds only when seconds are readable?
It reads 7.57
